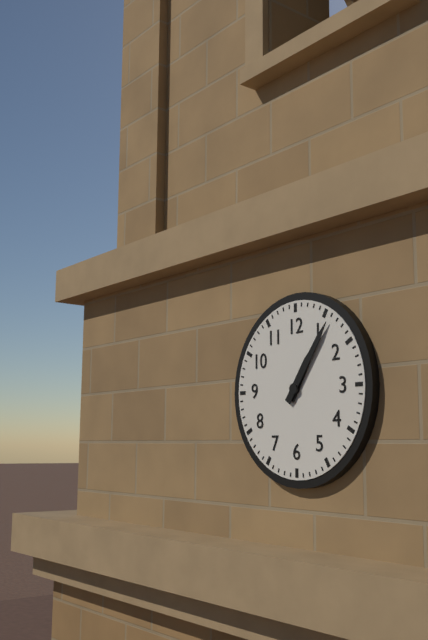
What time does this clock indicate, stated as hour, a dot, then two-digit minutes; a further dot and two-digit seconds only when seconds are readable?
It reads 1.06
